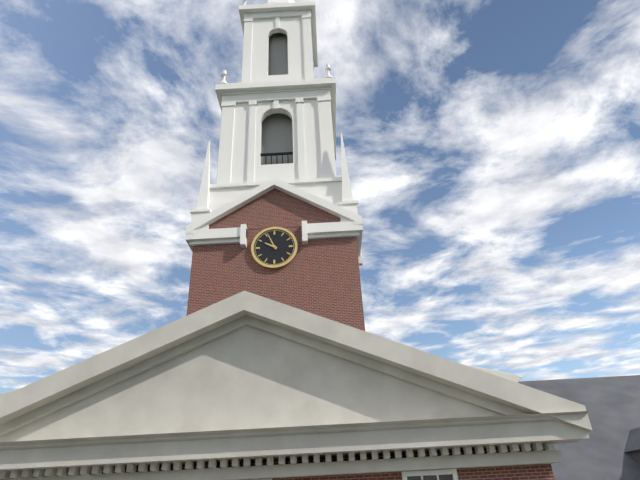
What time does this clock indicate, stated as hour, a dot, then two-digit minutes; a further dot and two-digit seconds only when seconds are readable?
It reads 9.56
